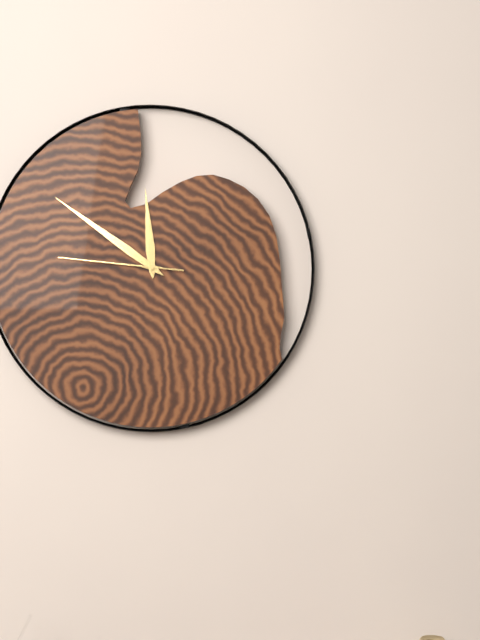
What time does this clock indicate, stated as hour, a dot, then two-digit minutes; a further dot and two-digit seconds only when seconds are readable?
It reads 11.51.46
